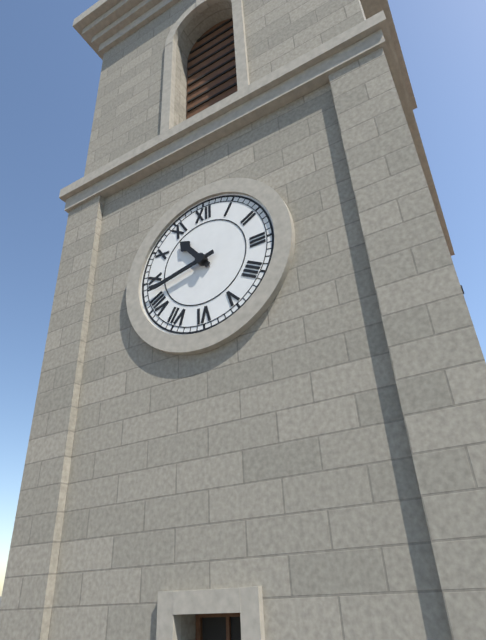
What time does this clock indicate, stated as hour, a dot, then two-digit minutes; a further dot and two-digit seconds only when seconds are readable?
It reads 10.43
